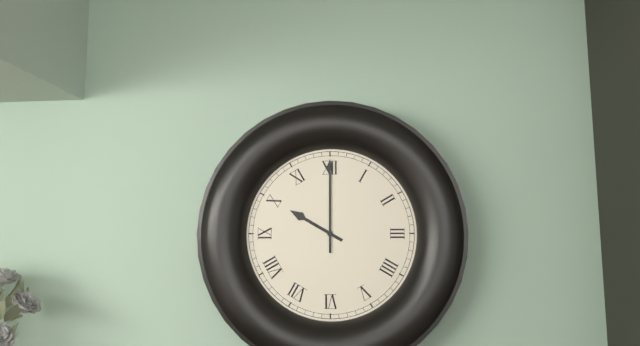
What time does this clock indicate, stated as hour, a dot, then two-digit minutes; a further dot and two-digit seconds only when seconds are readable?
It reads 10.00
